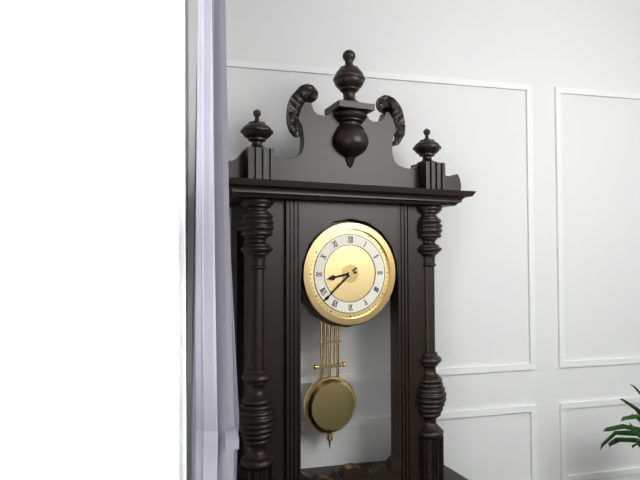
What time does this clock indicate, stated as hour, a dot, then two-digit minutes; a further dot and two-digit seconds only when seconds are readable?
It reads 8.38
